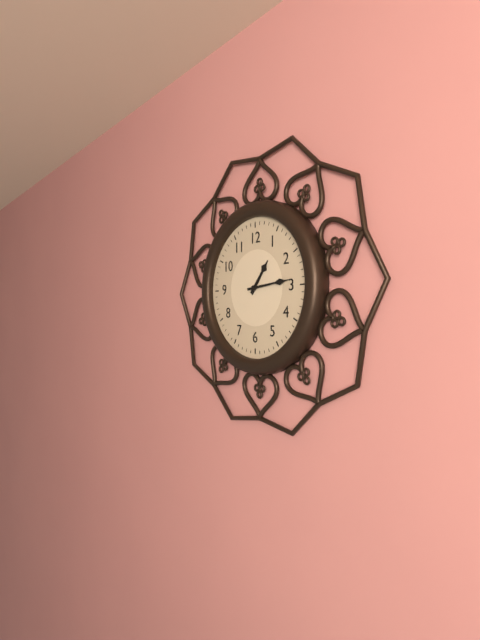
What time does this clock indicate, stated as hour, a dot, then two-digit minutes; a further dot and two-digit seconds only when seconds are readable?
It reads 1.14
